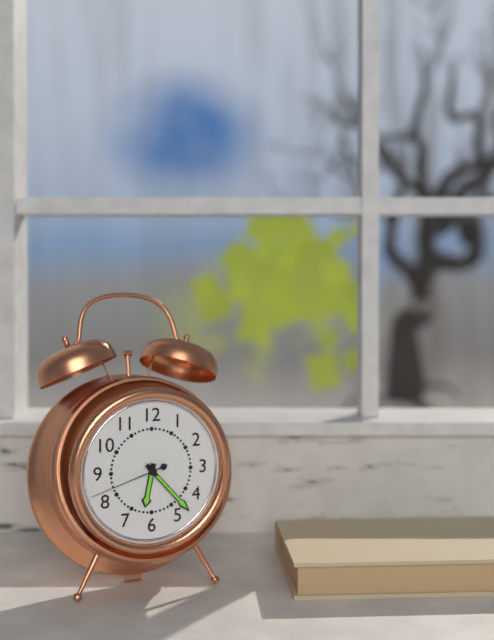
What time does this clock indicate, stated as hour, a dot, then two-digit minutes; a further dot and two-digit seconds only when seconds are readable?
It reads 6.23.42
